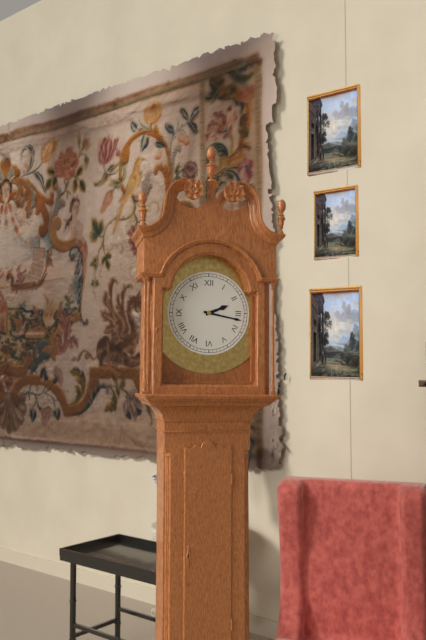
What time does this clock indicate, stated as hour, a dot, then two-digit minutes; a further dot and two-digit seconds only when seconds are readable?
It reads 2.17
